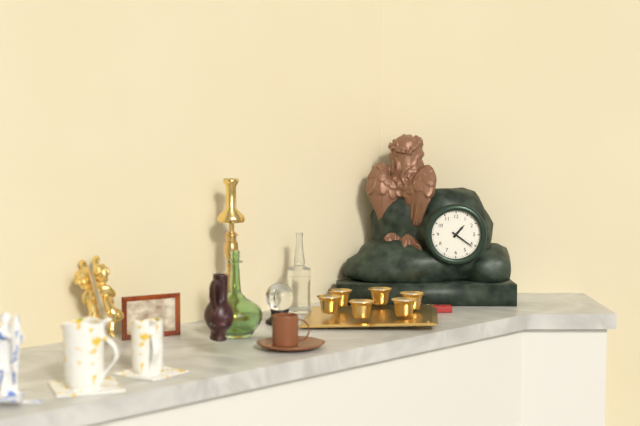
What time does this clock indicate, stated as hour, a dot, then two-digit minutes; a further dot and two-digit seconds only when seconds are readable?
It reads 1.21
